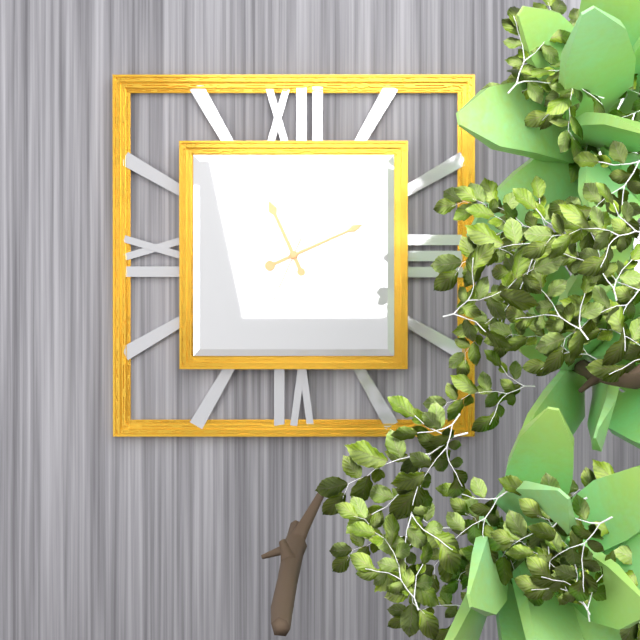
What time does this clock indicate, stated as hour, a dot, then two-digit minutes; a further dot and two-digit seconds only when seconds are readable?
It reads 11.11.34
